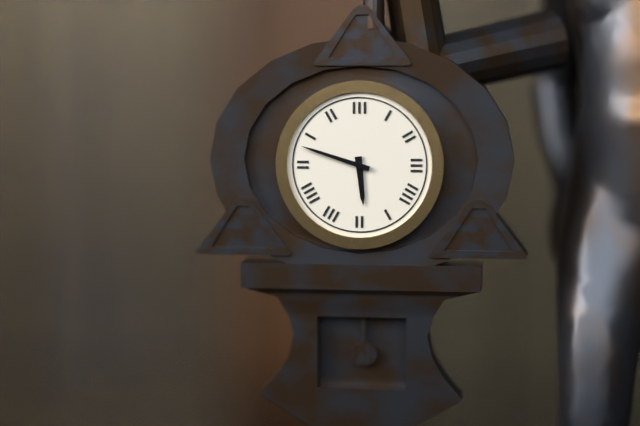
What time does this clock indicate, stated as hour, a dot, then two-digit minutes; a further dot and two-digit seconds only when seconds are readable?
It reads 5.48
